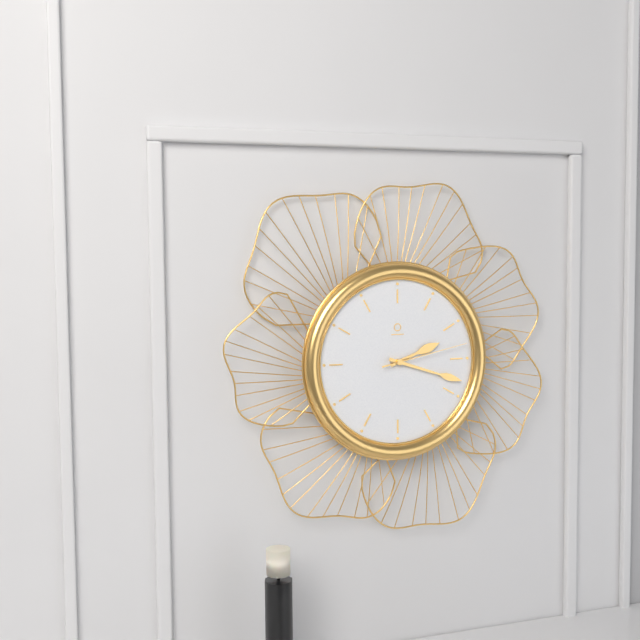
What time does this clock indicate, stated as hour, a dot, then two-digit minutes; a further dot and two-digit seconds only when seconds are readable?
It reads 2.18.13
